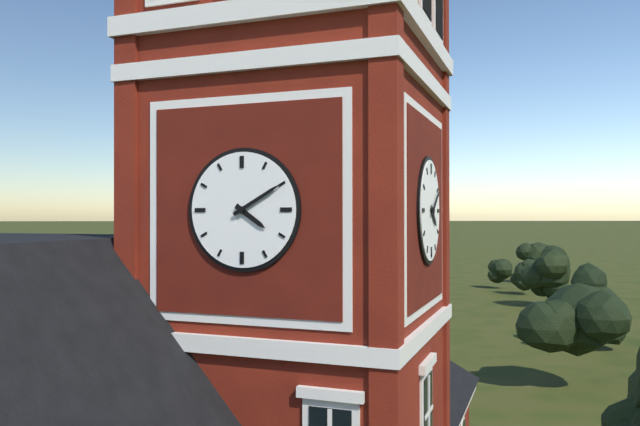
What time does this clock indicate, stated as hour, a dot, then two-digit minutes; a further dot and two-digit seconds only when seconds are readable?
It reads 4.10
